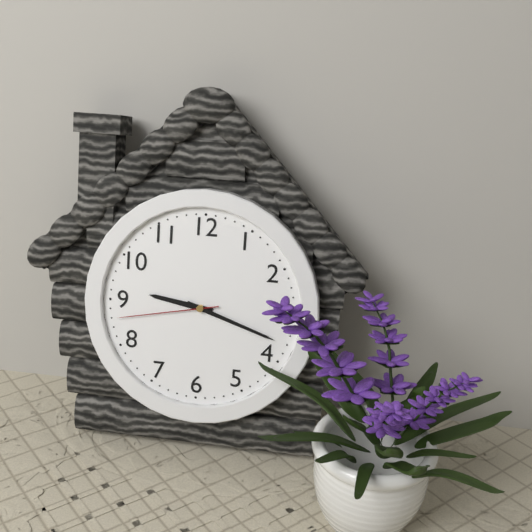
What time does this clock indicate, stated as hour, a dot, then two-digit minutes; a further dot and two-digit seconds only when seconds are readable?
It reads 9.18.43
